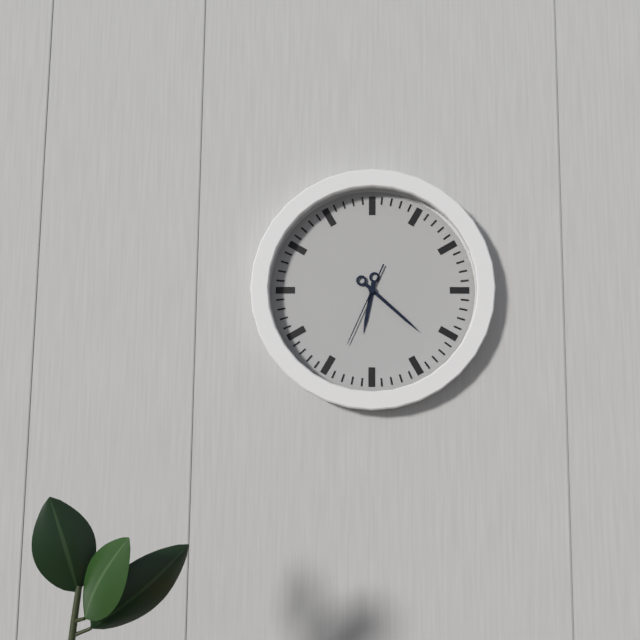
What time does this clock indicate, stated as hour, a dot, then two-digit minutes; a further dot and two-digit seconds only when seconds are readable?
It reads 6.22.34
